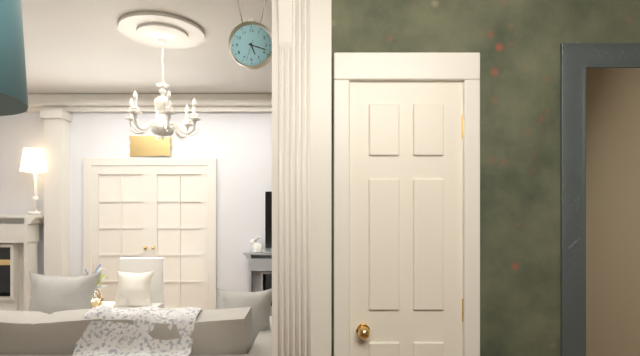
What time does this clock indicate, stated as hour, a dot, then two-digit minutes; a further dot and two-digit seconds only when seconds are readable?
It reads 5.18
